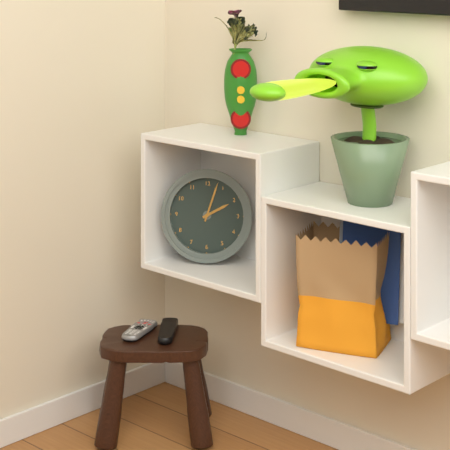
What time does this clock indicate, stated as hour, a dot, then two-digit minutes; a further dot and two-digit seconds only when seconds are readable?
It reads 2.03
